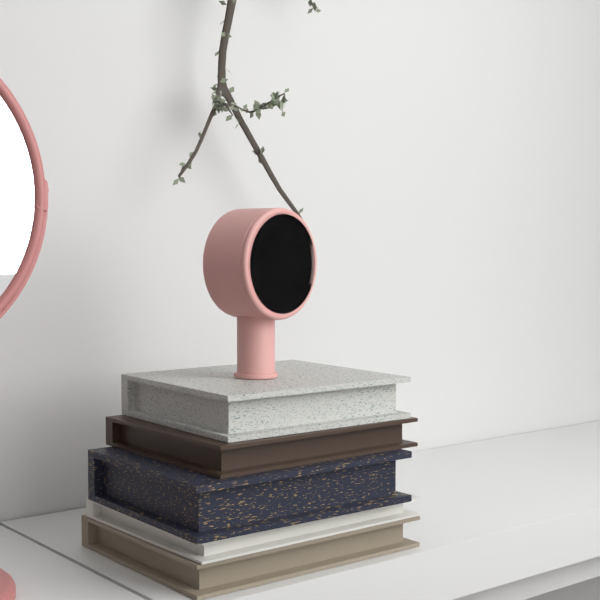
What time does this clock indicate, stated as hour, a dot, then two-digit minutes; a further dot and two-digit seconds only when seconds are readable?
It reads 2.23
